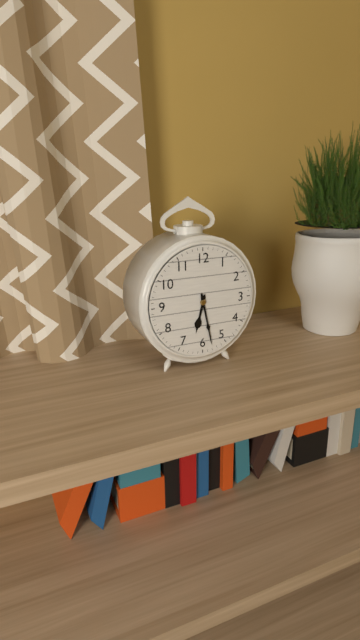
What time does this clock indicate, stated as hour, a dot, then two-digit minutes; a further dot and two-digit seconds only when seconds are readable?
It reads 6.28
